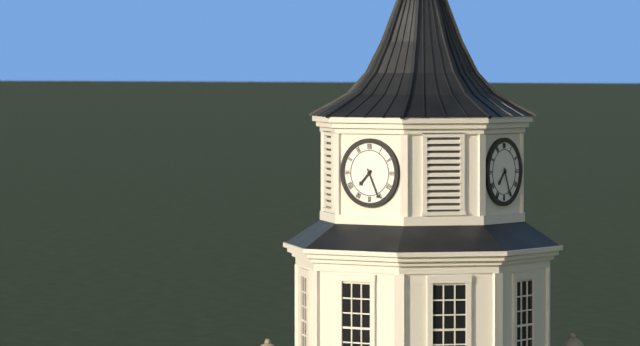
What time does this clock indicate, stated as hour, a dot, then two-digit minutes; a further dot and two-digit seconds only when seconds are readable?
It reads 7.26
